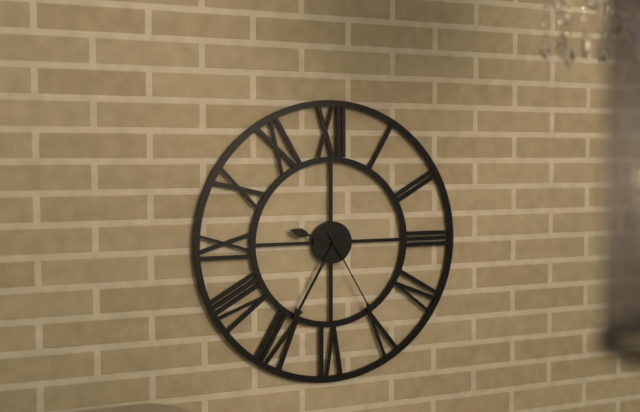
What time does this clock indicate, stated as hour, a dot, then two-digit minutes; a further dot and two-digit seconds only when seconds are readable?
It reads 9.35.25
